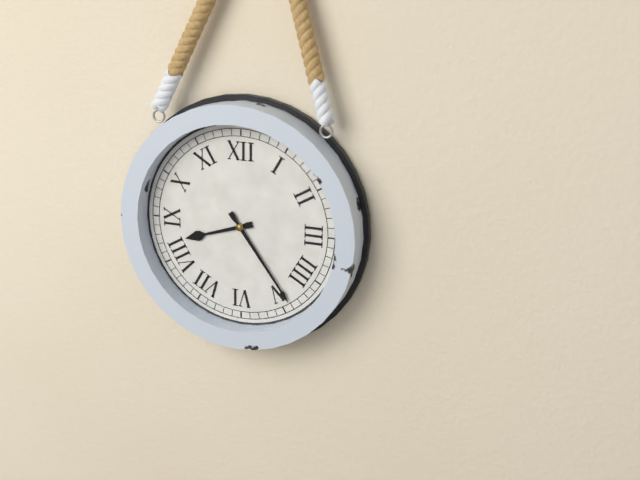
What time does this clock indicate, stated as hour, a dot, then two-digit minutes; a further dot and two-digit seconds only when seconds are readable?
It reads 8.24
